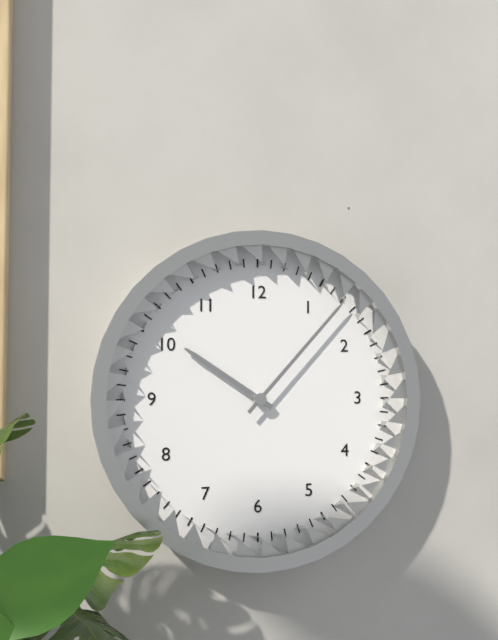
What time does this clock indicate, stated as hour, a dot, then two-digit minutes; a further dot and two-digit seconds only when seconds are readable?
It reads 10.07
